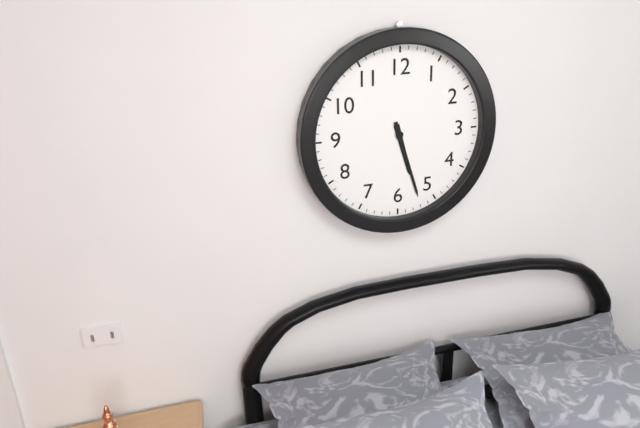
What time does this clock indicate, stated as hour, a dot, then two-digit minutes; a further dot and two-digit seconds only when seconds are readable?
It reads 5.27
